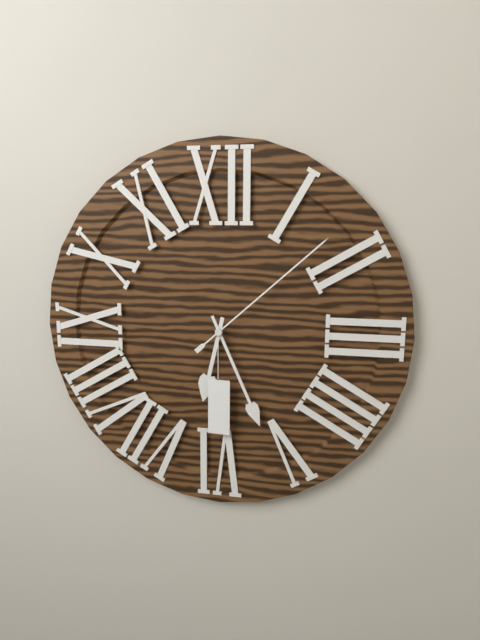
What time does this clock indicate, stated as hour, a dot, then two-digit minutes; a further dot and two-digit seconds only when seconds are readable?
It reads 6.26.08
